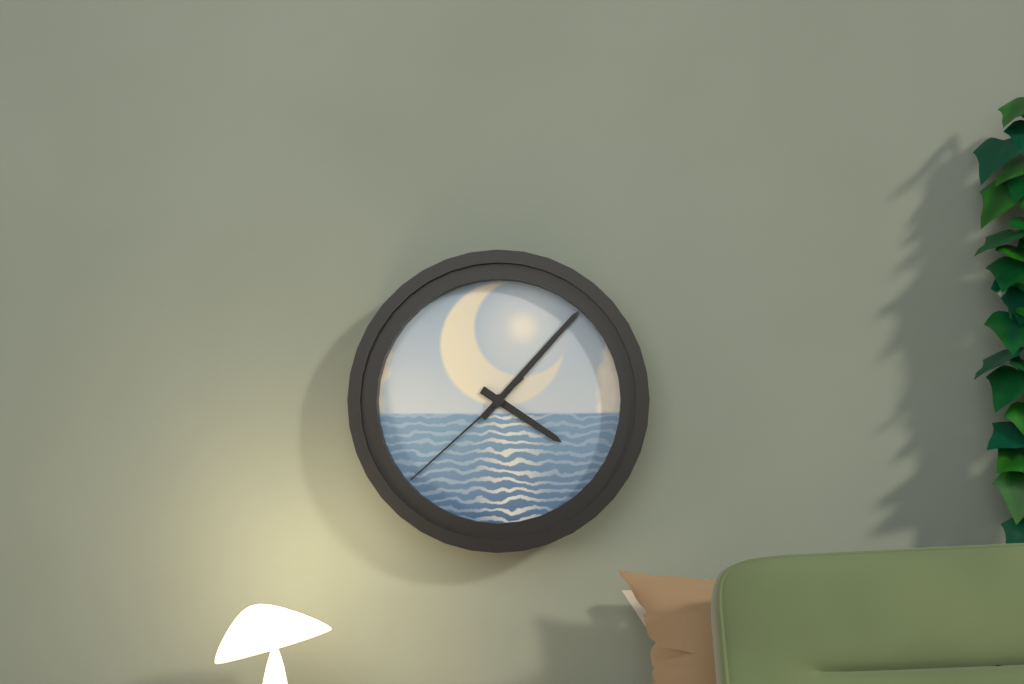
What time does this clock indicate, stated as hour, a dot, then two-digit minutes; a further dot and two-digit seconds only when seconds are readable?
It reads 4.07.38
